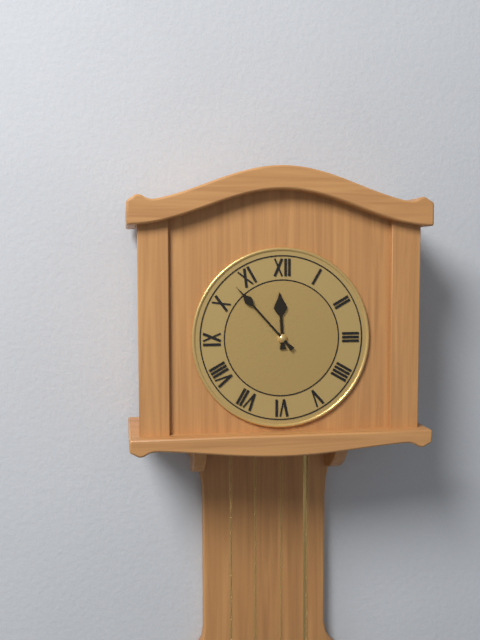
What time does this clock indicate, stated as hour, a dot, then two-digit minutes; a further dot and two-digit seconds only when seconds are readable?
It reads 11.53
